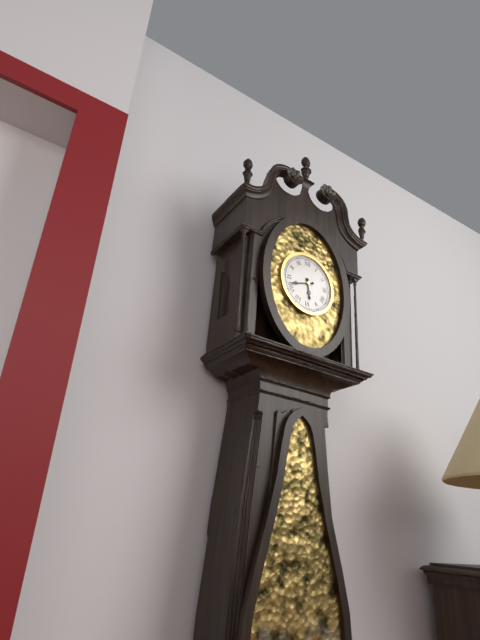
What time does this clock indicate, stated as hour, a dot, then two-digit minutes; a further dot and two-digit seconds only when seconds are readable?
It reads 5.42
